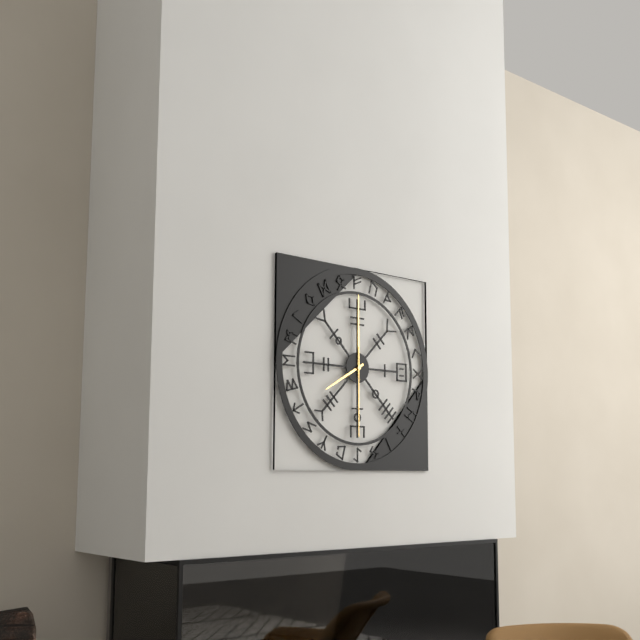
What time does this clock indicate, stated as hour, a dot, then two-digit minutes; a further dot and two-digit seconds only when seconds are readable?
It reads 8.00.30
